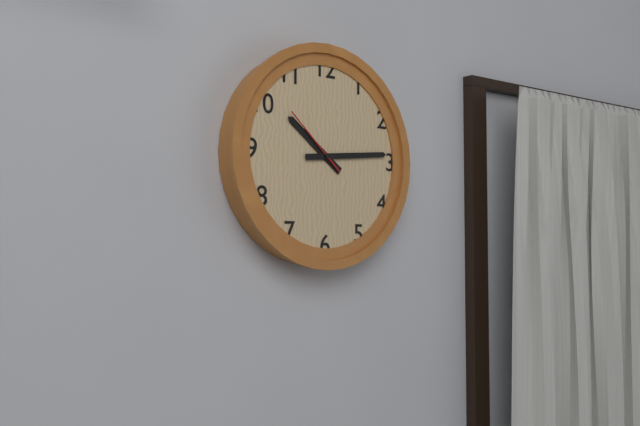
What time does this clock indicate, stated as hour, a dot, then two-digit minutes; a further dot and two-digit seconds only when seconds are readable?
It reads 10.14.52
